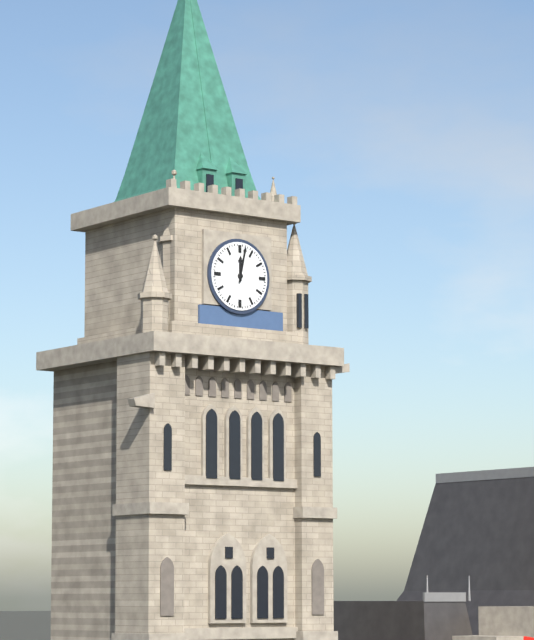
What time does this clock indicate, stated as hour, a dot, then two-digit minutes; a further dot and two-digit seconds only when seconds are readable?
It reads 12.02
